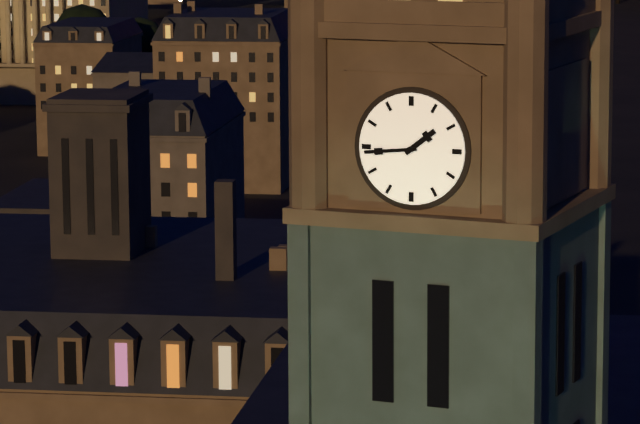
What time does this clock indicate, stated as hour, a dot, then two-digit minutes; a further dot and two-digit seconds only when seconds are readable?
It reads 1.44
